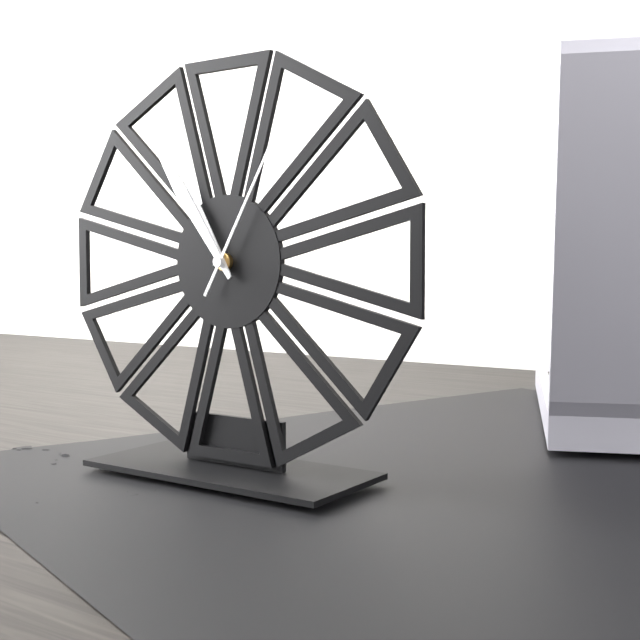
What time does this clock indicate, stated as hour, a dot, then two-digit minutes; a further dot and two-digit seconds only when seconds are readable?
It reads 10.54.05
